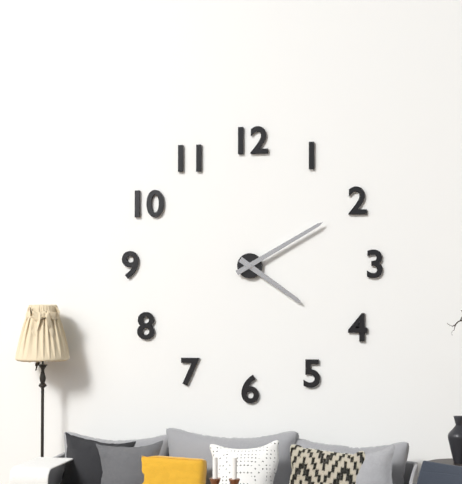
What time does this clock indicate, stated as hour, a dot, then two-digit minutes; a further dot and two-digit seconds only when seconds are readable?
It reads 4.10
